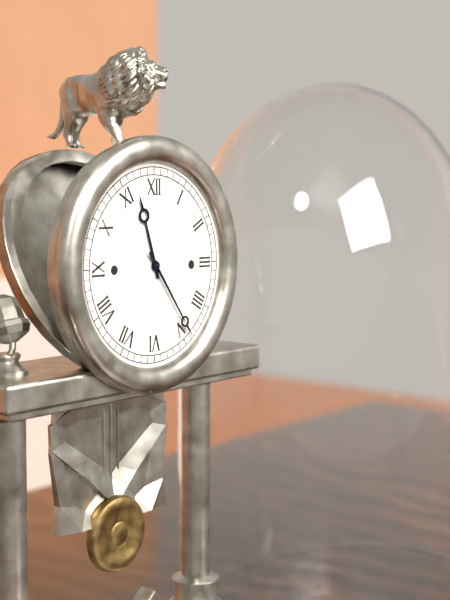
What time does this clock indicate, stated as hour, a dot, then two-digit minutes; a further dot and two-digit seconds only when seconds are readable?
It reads 11.24
